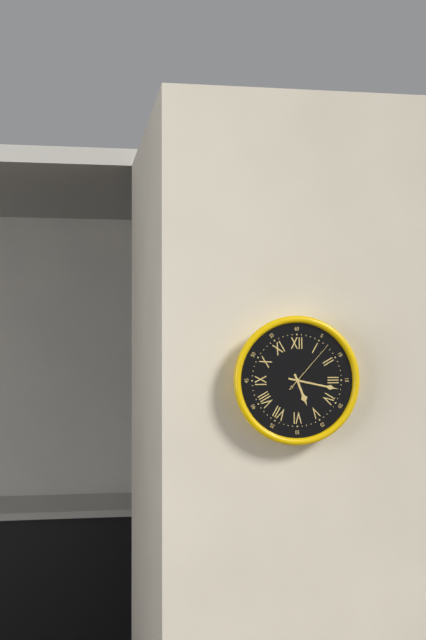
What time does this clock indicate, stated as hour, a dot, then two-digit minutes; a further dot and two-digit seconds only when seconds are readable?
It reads 5.17.07
